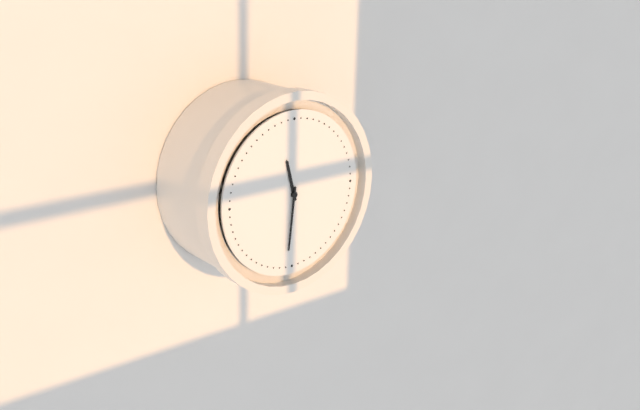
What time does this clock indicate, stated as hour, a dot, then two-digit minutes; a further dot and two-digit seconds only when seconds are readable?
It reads 11.31
